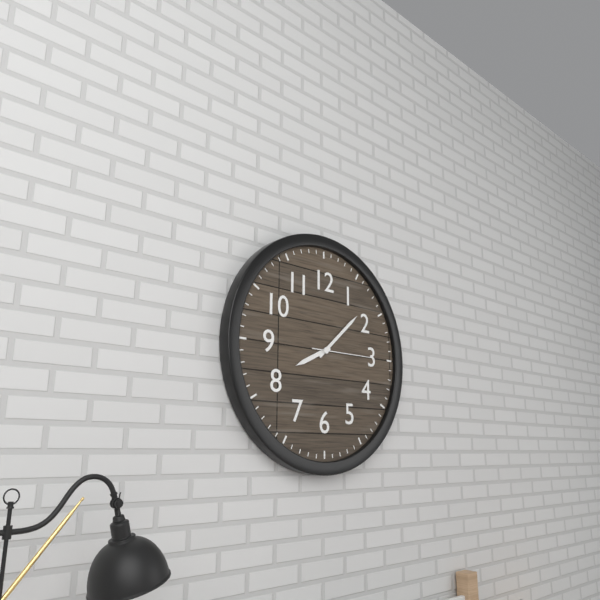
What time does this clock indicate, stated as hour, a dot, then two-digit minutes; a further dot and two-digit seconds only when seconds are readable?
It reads 8.08.15
